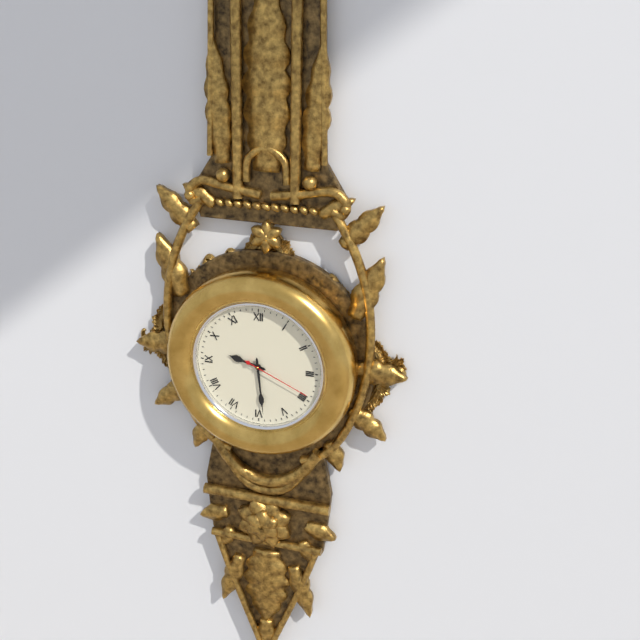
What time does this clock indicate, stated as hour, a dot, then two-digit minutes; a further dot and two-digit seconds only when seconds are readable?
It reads 9.29.19
